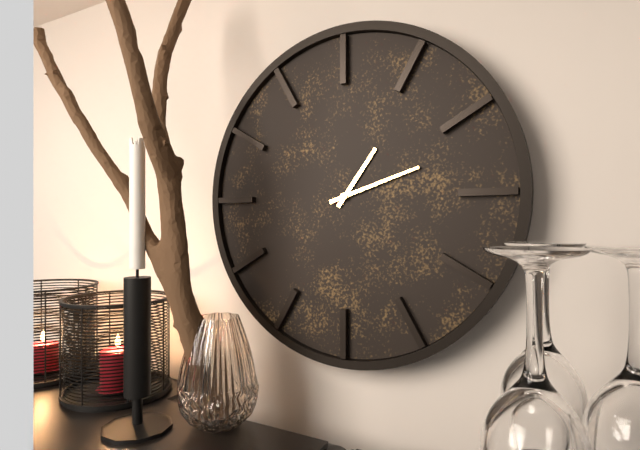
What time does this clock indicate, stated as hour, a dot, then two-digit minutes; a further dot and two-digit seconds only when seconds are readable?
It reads 1.12
